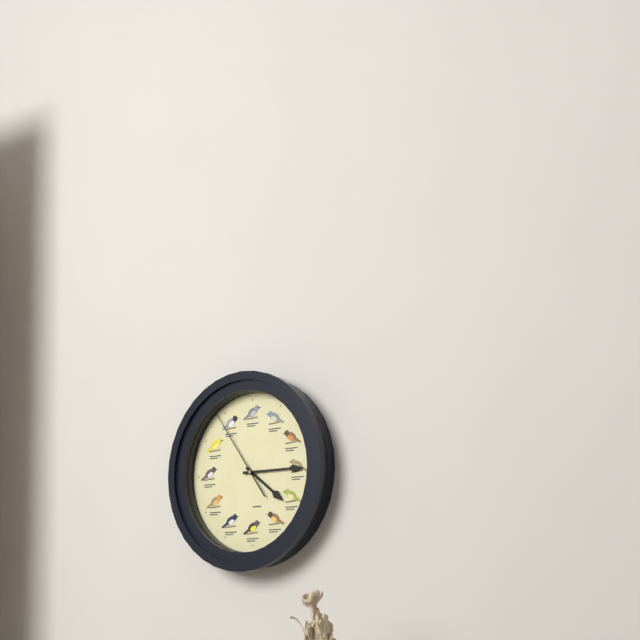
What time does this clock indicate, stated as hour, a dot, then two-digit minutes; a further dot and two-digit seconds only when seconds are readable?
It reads 4.15.54
